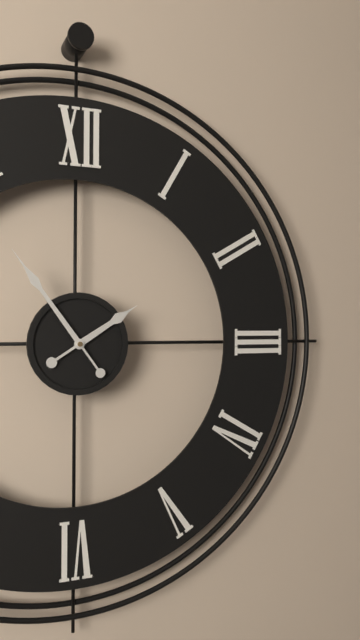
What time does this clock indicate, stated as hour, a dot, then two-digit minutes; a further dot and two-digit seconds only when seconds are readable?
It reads 1.54
